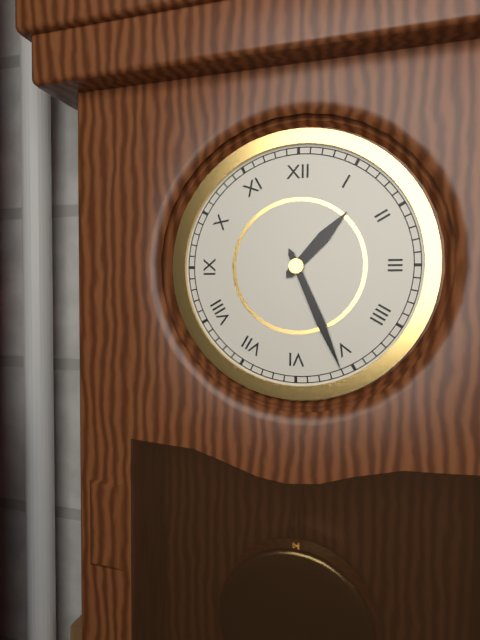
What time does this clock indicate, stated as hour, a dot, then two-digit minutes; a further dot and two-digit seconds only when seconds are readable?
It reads 1.26
